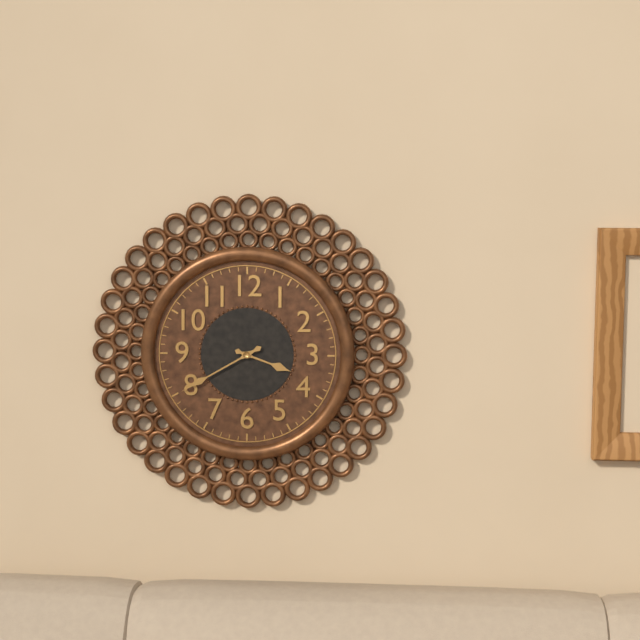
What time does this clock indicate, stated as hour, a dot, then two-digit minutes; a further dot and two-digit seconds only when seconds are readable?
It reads 3.40
